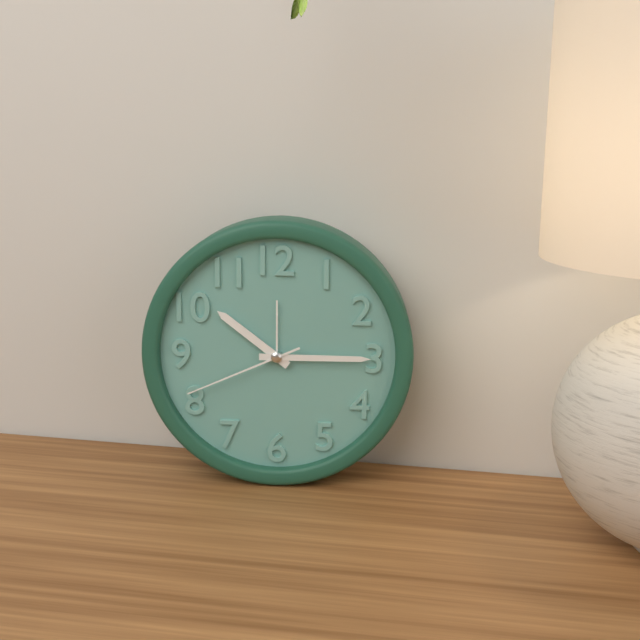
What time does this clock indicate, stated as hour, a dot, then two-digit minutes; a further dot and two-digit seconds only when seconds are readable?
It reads 10.15.41
